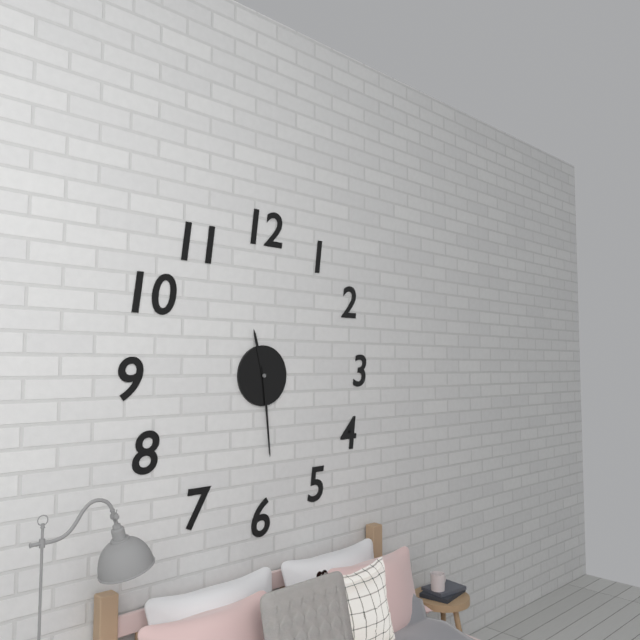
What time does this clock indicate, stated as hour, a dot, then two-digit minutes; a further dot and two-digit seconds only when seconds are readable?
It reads 11.29
